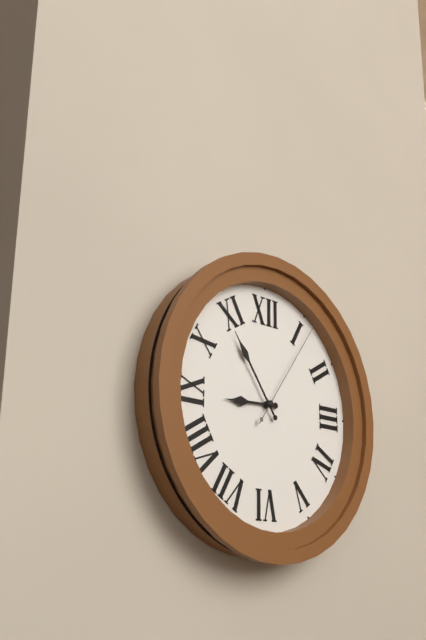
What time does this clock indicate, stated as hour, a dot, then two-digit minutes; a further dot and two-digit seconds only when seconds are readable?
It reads 8.54.06
